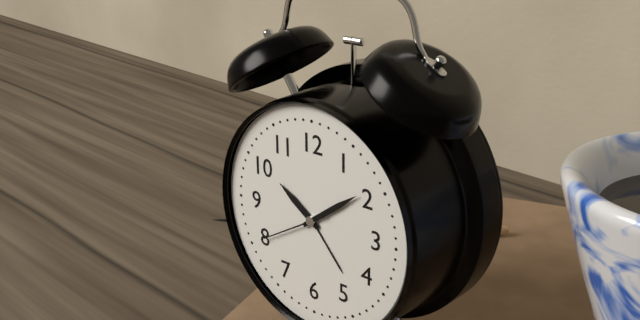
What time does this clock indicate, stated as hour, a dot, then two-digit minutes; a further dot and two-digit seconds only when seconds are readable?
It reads 10.09.40
